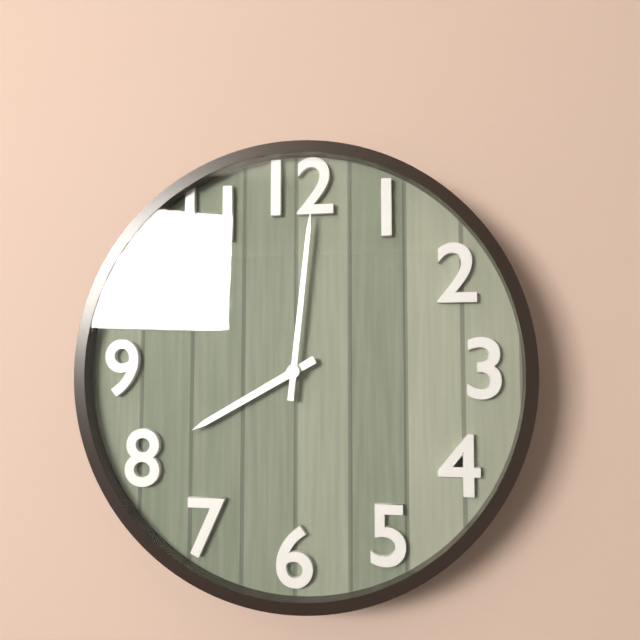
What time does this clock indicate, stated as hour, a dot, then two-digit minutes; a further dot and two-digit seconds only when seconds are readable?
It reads 8.01
